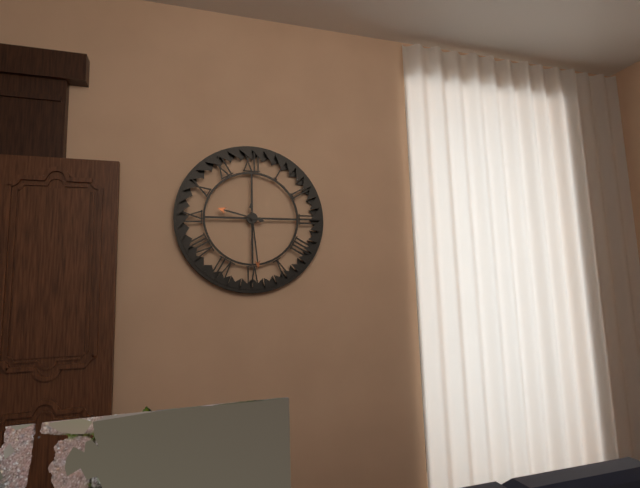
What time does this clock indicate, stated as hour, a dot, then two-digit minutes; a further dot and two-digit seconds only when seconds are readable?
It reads 9.29
